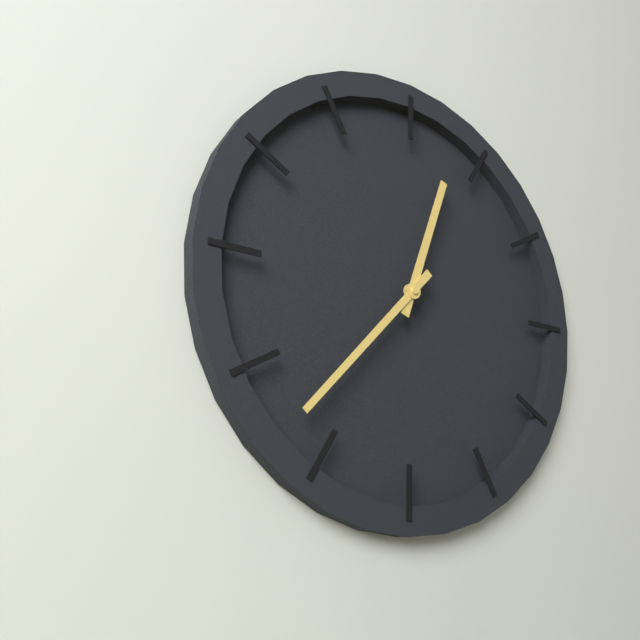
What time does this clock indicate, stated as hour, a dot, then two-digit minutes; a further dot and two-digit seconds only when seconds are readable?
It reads 12.37
